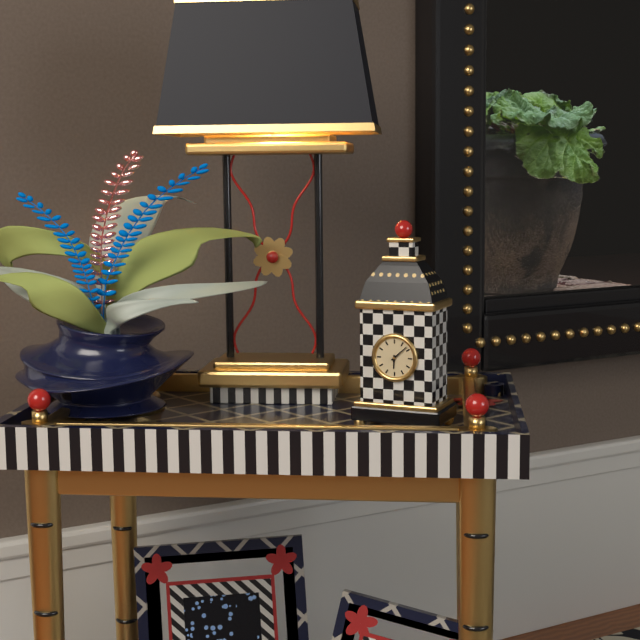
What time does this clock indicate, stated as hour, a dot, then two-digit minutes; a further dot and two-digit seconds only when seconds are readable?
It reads 6.08
